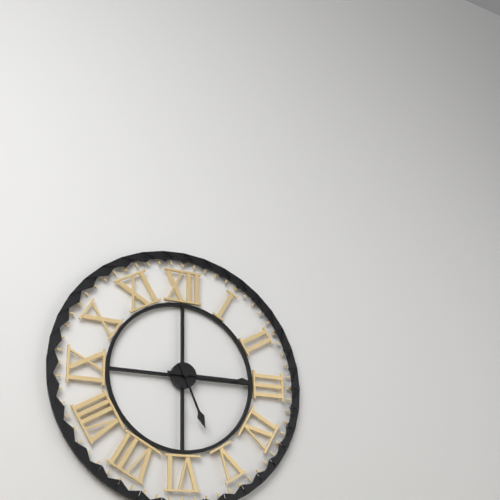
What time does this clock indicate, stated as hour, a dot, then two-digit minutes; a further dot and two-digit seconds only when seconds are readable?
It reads 5.15
